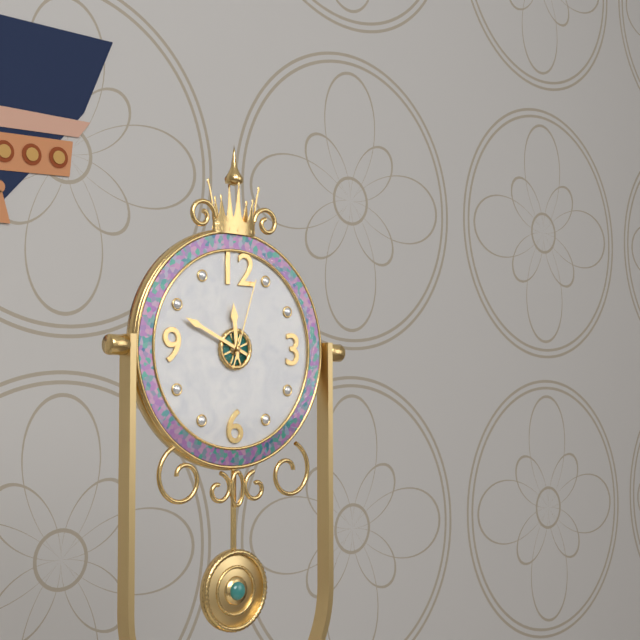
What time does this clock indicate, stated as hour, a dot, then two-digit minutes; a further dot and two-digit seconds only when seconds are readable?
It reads 11.49.03
